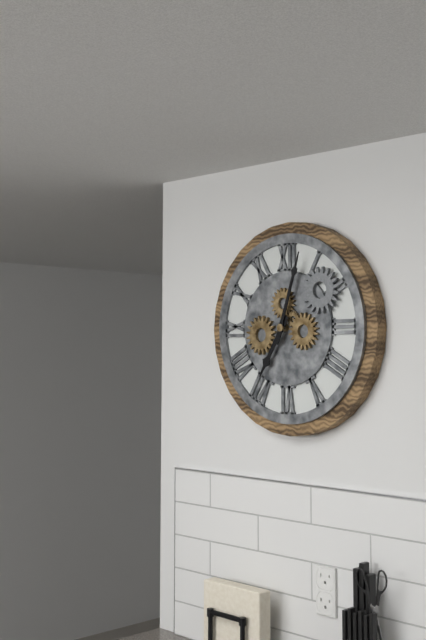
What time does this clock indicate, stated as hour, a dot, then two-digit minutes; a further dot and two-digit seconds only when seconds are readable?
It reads 7.03
